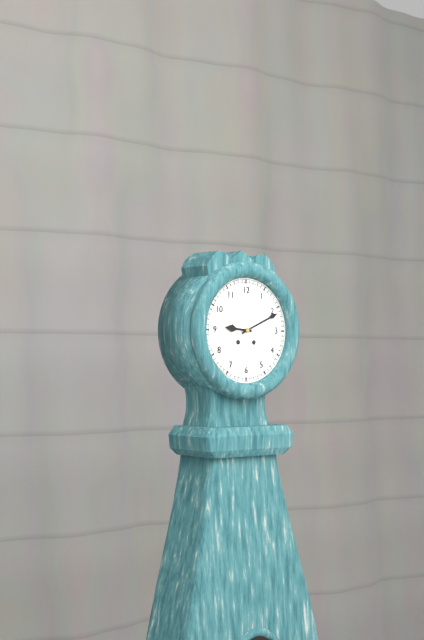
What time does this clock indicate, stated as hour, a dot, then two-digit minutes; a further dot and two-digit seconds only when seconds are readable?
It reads 9.11
